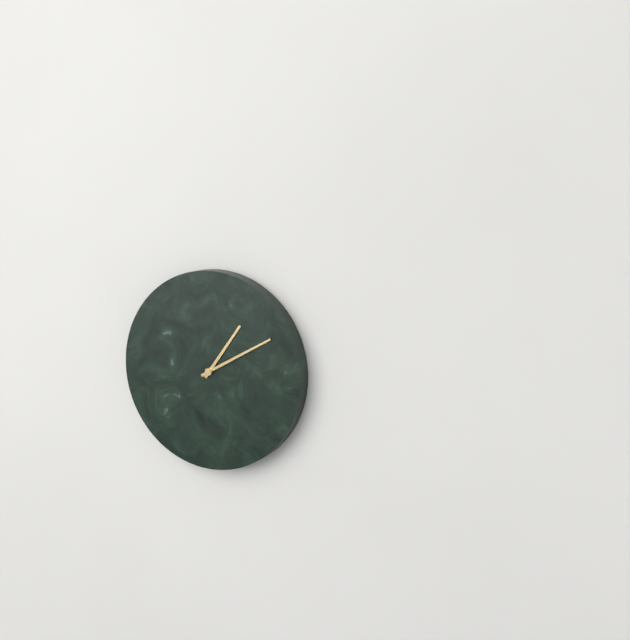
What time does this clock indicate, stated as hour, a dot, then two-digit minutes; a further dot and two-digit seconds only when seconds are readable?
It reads 1.10
